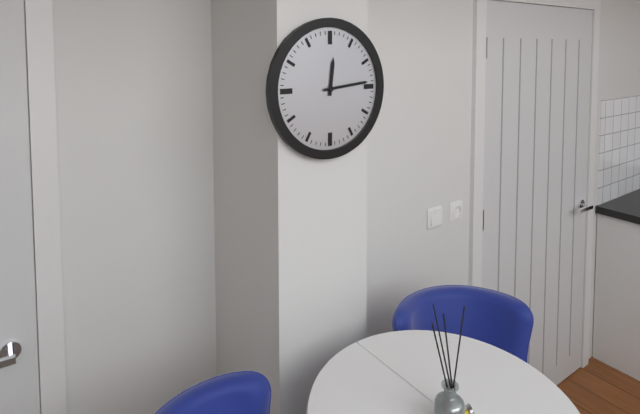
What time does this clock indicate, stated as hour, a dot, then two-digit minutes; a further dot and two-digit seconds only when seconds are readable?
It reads 12.14
